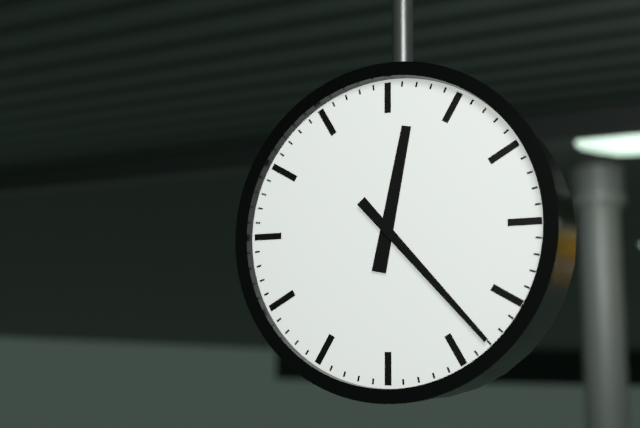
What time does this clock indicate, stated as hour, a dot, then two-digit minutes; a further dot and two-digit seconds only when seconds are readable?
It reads 12.23
